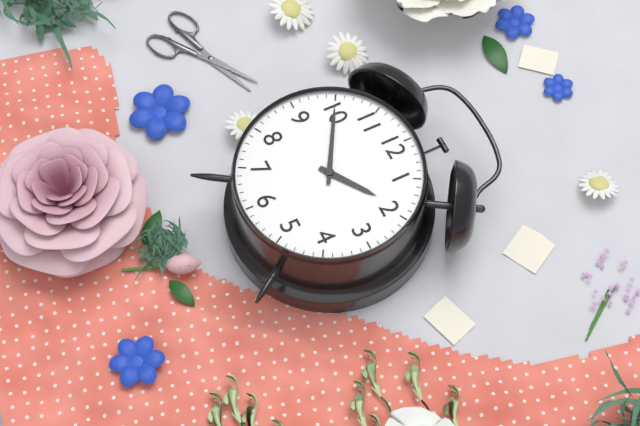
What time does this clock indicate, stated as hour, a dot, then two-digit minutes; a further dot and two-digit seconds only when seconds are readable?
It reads 1.50
